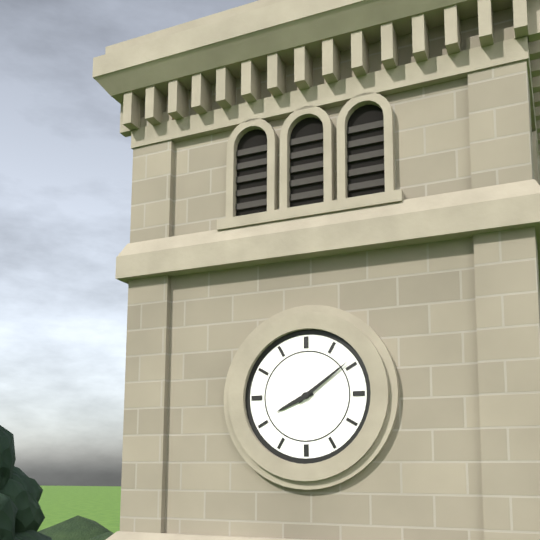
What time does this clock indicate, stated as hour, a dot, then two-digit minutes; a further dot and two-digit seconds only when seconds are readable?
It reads 8.09
